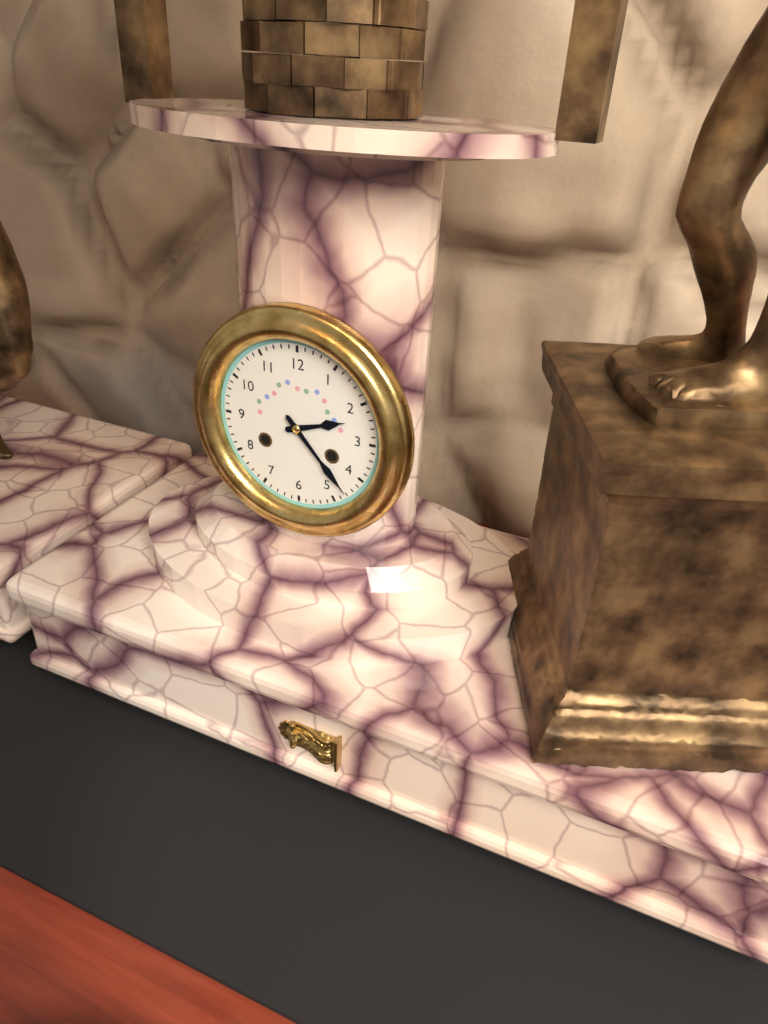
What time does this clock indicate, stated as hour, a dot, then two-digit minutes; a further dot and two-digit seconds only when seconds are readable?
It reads 2.23
